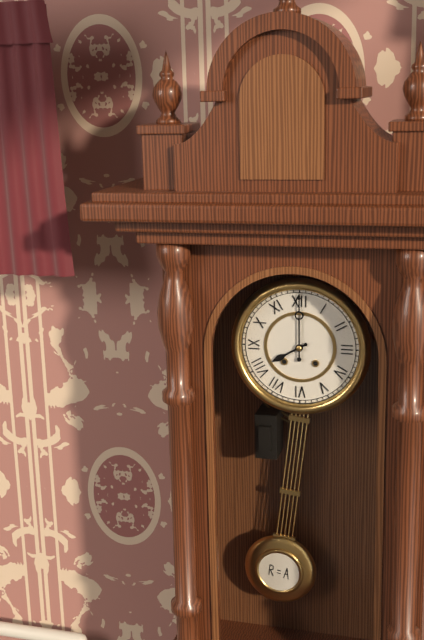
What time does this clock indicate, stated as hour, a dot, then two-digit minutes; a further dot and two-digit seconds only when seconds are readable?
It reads 8.00
